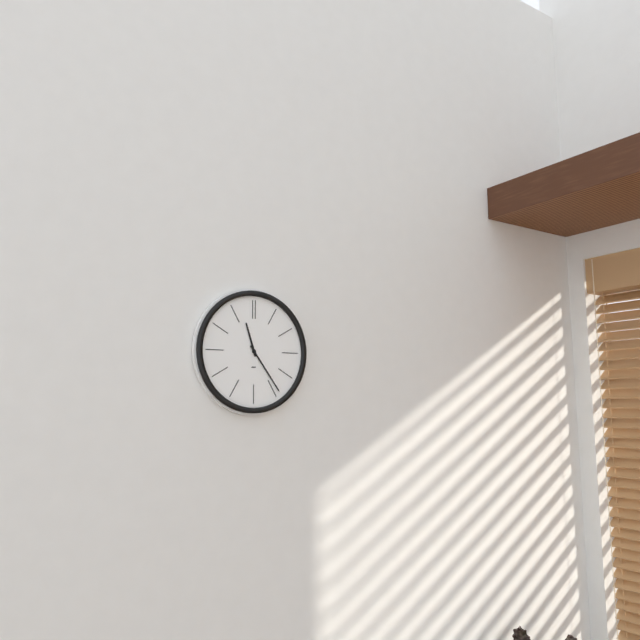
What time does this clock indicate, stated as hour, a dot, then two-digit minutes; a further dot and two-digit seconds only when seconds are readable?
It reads 11.24
